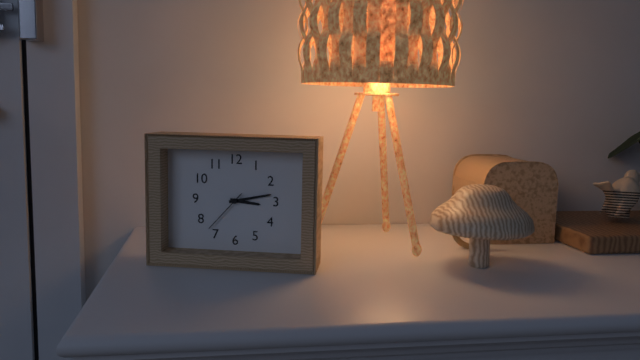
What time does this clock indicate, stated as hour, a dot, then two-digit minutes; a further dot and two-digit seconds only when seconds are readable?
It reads 3.13
